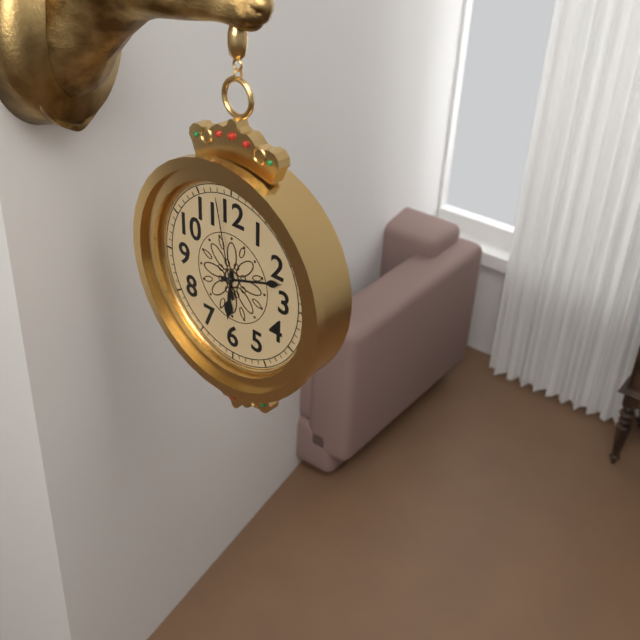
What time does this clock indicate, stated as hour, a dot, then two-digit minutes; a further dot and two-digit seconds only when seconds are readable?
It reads 6.12.58
